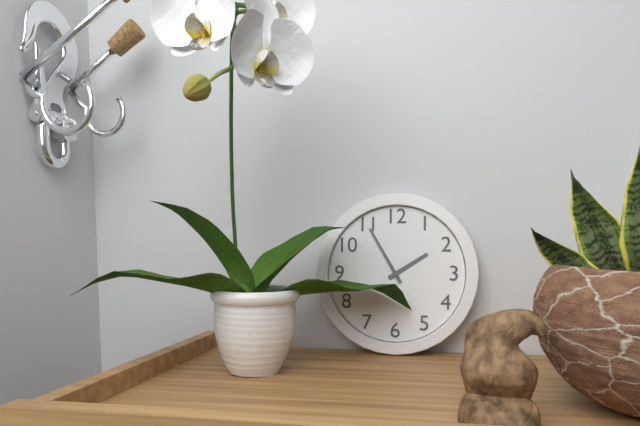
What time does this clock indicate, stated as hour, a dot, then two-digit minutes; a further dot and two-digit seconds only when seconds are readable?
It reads 1.55
